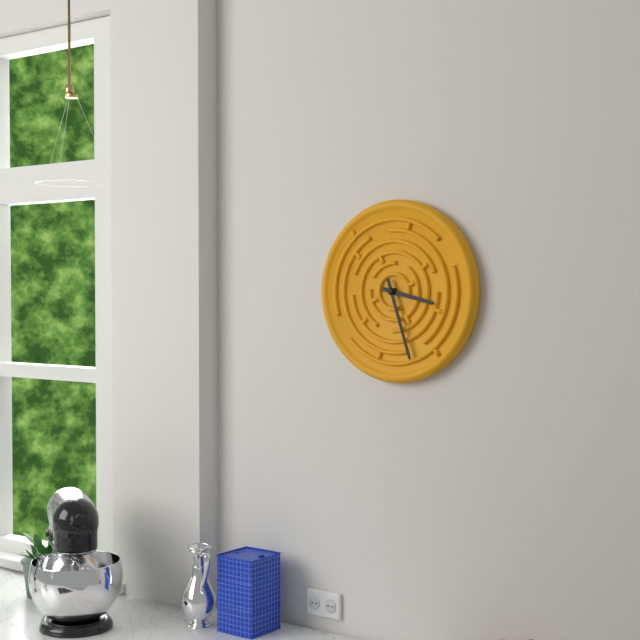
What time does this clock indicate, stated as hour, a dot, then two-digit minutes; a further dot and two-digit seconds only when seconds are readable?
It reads 3.27
